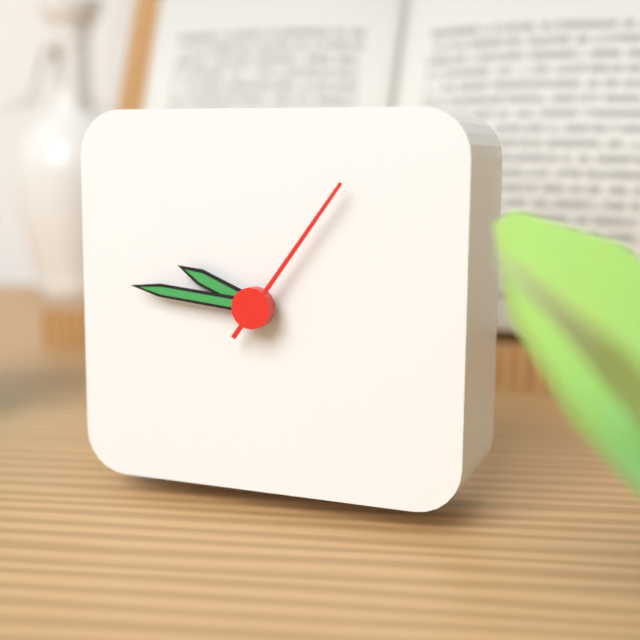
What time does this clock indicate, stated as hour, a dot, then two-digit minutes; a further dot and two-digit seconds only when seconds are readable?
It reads 9.46.06
